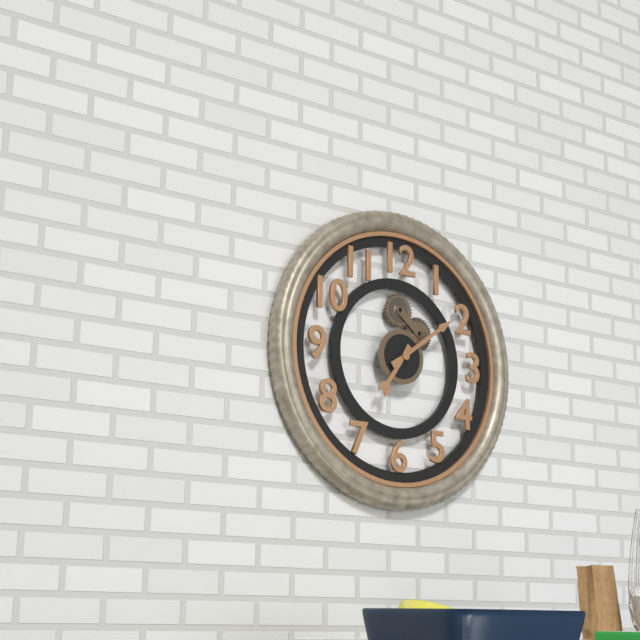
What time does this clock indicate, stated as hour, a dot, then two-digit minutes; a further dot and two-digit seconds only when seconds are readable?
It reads 7.09
